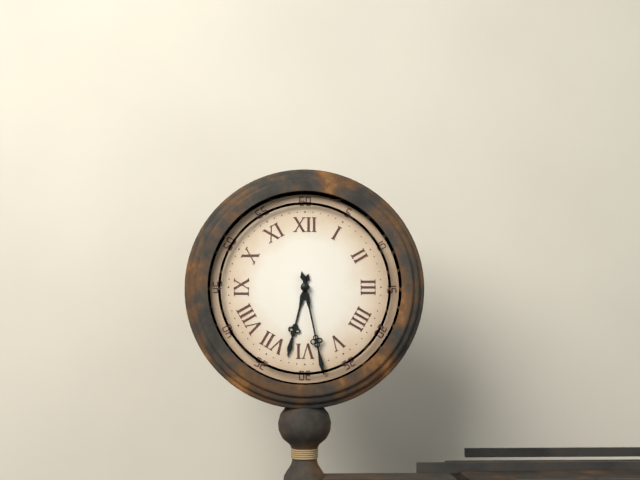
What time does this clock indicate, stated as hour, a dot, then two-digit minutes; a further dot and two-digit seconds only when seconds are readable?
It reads 6.28
